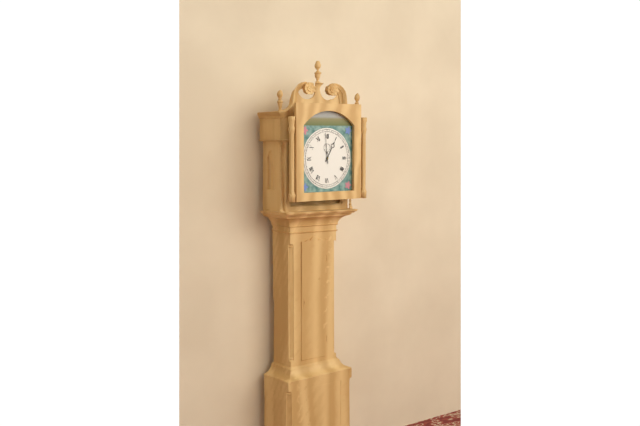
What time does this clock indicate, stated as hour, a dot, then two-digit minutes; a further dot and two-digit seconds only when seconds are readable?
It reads 12.59
